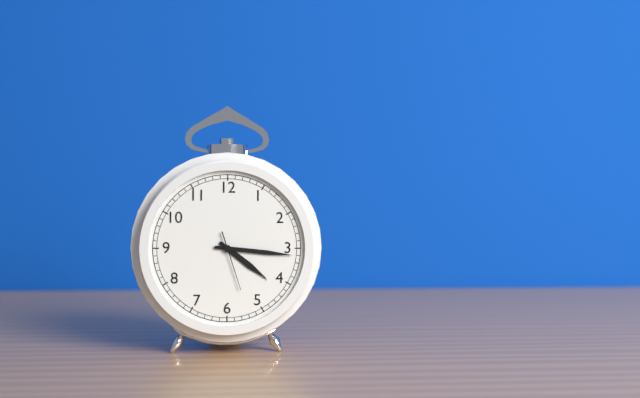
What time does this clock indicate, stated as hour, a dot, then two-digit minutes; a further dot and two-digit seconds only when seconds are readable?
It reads 4.16.27
